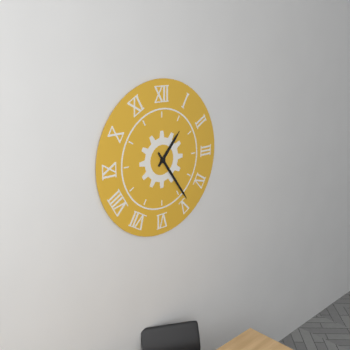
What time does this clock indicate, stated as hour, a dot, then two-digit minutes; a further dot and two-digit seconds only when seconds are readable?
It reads 1.24
